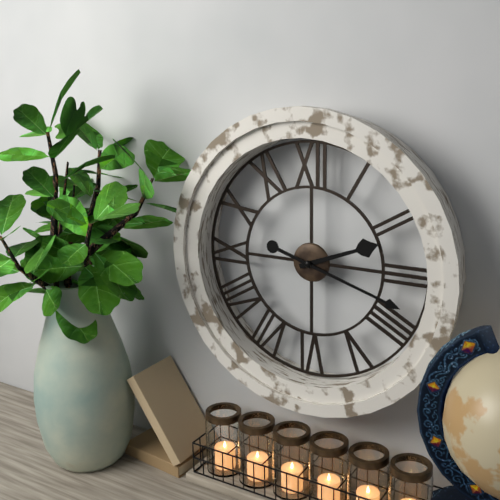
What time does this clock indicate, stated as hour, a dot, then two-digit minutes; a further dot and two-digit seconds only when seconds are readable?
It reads 2.18
